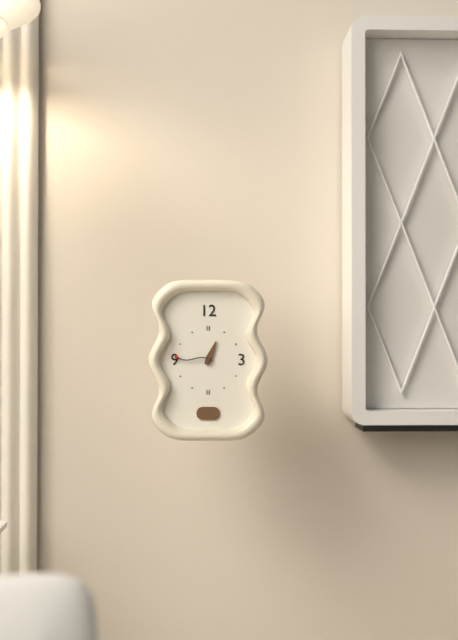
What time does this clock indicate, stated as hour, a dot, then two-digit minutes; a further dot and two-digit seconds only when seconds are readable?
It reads 12.46
